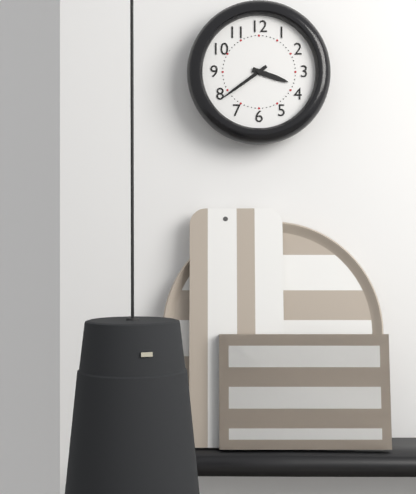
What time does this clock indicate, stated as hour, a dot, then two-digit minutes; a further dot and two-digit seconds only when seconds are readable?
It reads 3.39
